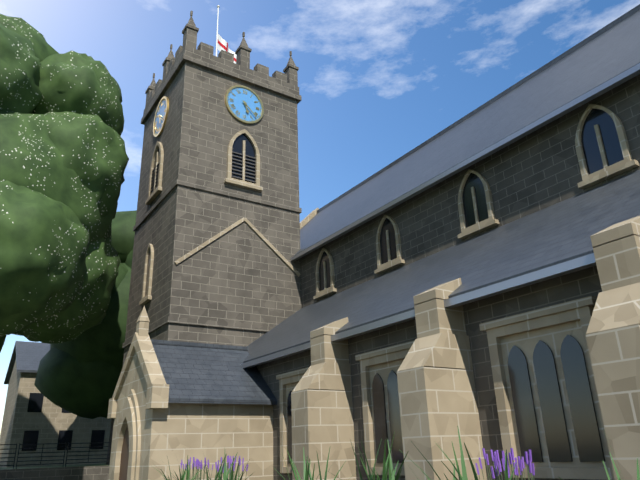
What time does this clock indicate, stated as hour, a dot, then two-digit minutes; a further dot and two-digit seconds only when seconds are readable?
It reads 5.22
